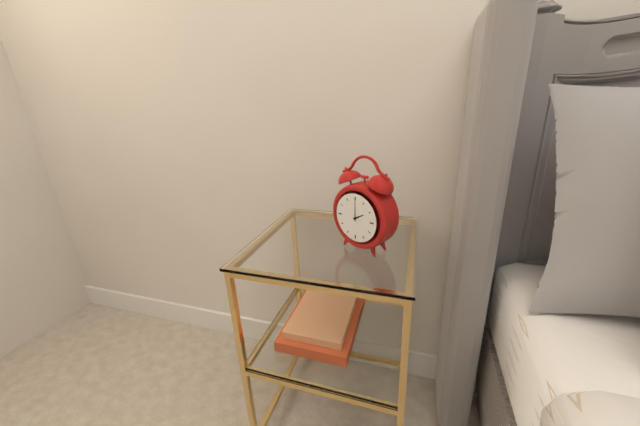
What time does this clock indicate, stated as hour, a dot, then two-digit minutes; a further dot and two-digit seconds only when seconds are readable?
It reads 2.00
